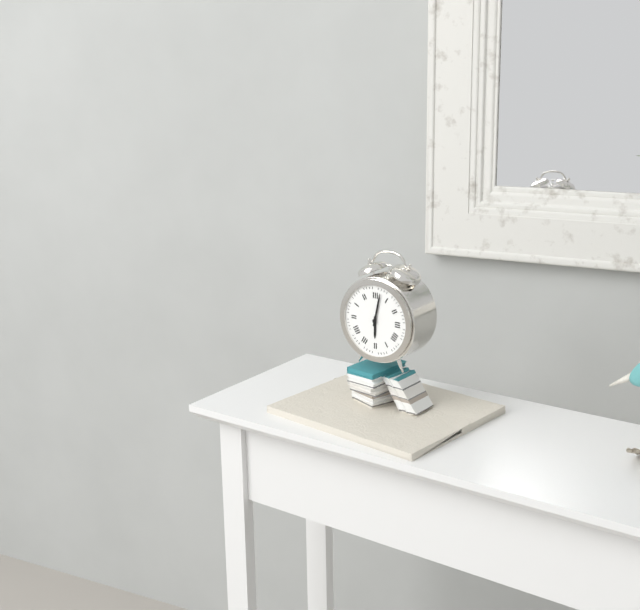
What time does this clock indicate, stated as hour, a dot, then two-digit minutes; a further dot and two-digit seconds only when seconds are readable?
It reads 6.02
